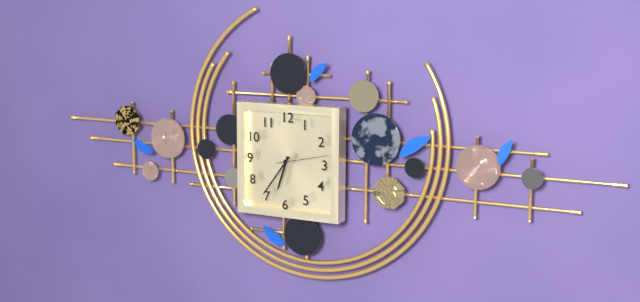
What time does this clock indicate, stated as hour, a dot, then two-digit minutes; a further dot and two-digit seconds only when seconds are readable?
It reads 6.36.13
